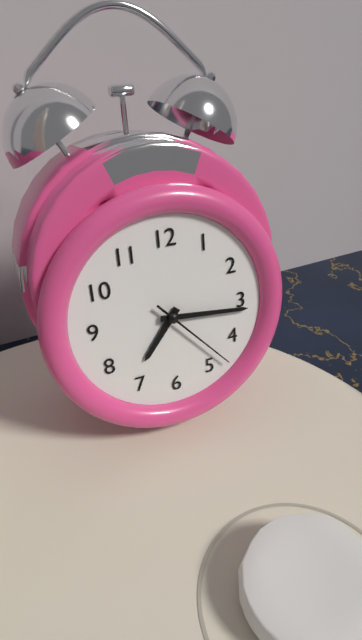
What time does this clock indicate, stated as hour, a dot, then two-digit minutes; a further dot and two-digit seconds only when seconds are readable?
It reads 7.16.23
